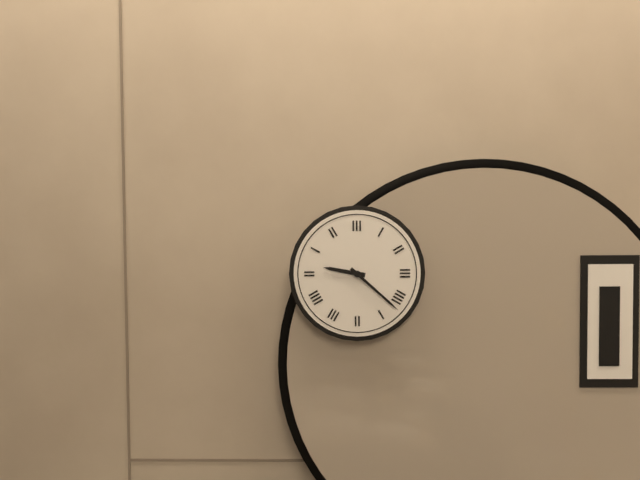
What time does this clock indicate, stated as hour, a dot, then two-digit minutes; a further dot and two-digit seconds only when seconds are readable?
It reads 9.22
